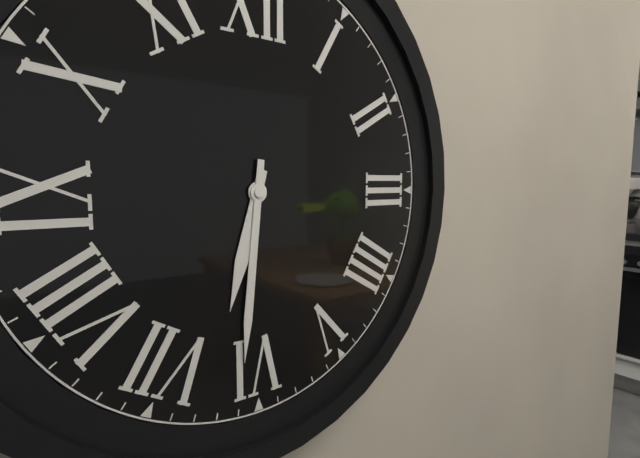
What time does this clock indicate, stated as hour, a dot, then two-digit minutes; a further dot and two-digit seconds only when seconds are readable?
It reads 6.31
